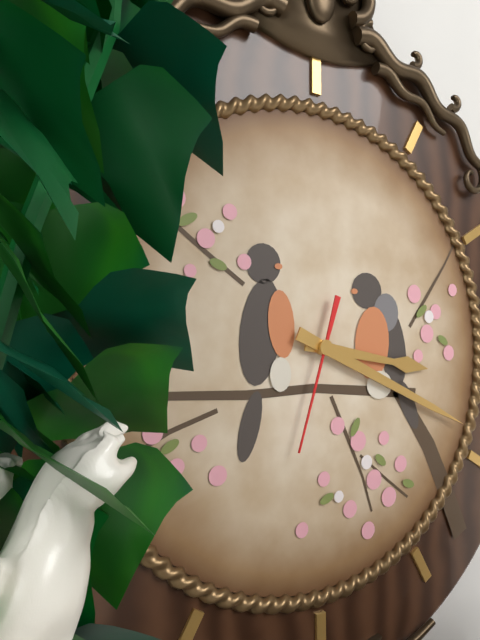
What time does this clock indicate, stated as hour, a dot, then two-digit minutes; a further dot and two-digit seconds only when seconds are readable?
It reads 3.19.33
